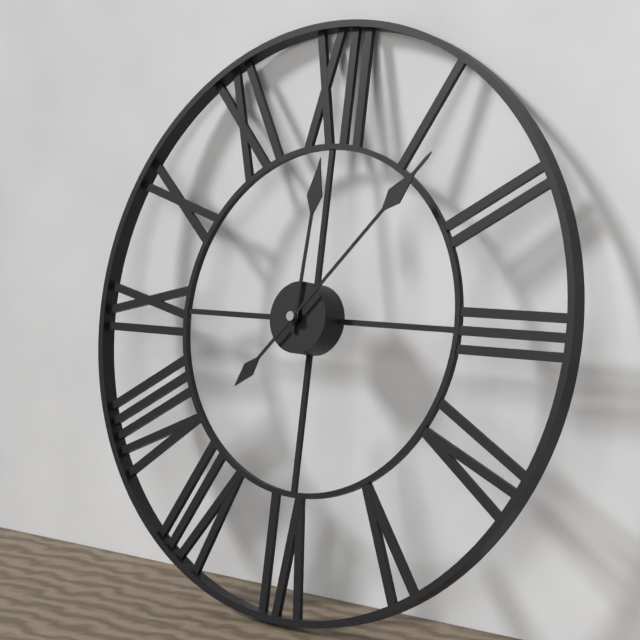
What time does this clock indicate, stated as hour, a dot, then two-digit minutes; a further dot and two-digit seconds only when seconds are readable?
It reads 12.07
